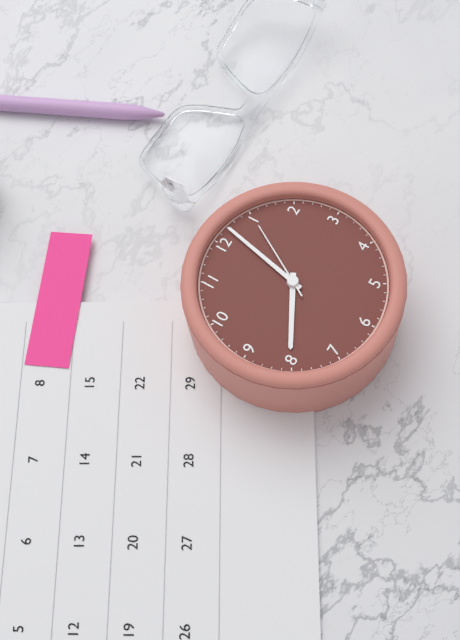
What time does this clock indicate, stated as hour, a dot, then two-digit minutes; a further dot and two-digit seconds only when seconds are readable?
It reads 8.02.05
